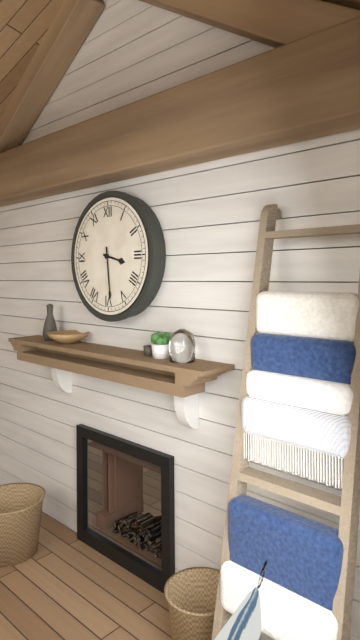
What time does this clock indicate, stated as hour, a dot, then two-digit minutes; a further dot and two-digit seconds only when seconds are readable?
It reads 3.29
